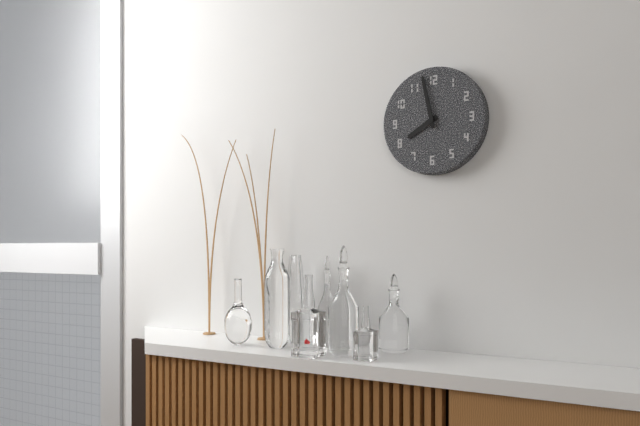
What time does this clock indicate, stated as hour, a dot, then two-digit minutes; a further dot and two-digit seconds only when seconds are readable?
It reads 7.58
